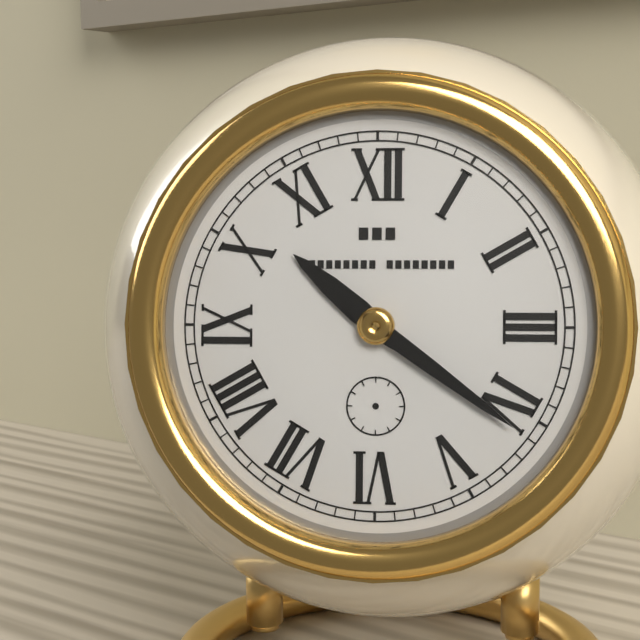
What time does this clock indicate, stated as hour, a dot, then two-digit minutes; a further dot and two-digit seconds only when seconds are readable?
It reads 10.21
